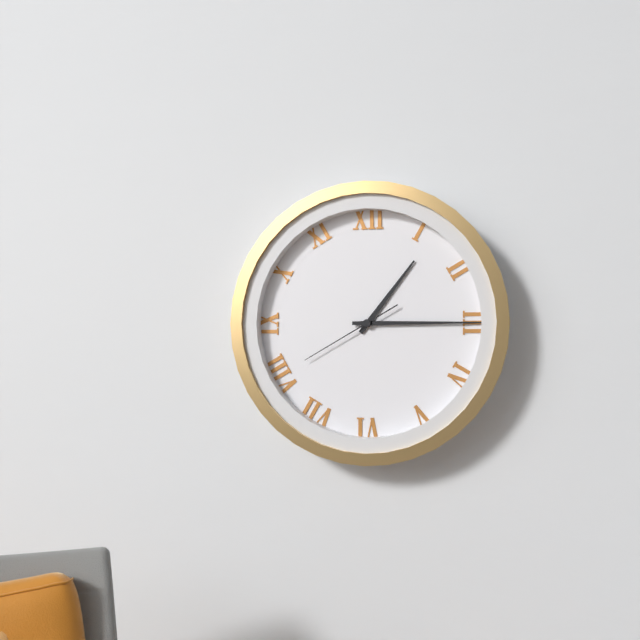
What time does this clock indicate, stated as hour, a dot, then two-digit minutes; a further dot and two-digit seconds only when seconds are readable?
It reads 1.15.40
